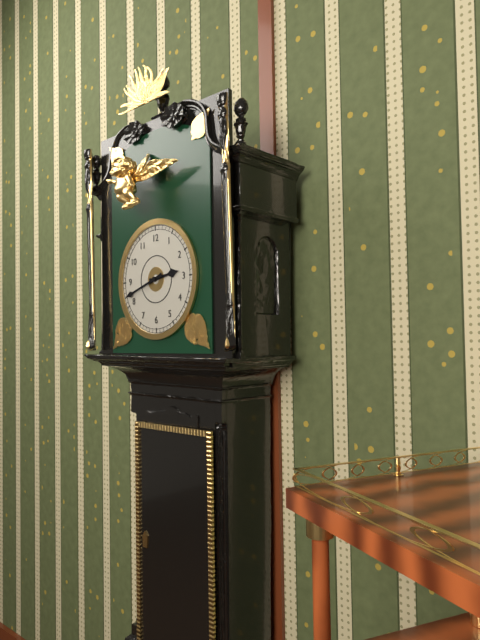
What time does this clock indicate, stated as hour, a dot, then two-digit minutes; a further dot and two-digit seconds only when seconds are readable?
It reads 2.42
